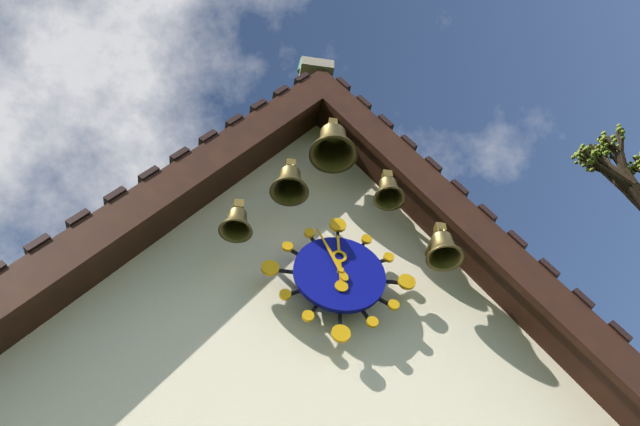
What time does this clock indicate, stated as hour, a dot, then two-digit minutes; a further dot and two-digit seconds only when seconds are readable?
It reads 11.56
